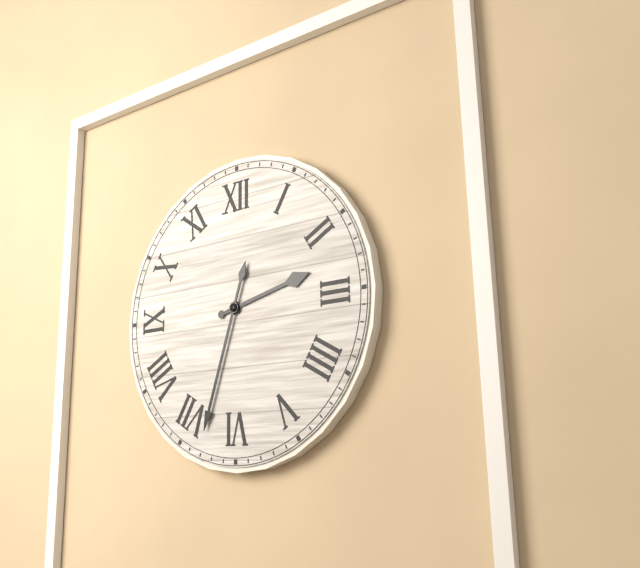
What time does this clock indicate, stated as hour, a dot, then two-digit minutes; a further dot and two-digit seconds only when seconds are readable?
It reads 2.33
